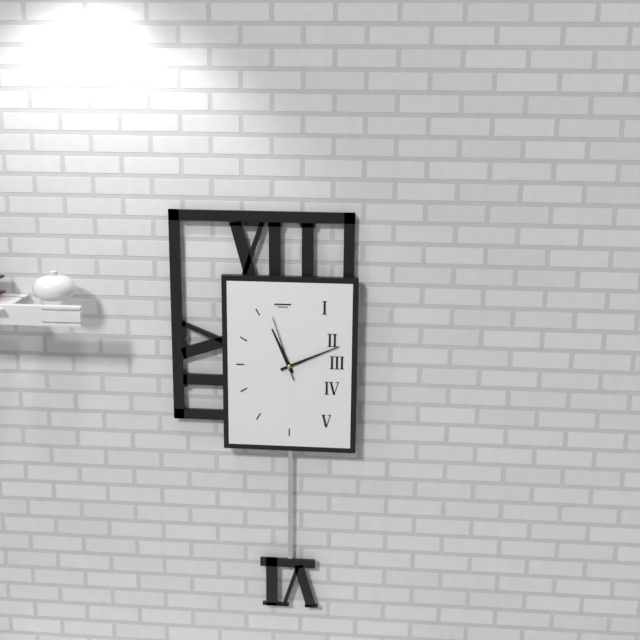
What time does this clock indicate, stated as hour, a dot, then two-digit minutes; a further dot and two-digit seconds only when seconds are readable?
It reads 11.11.57
